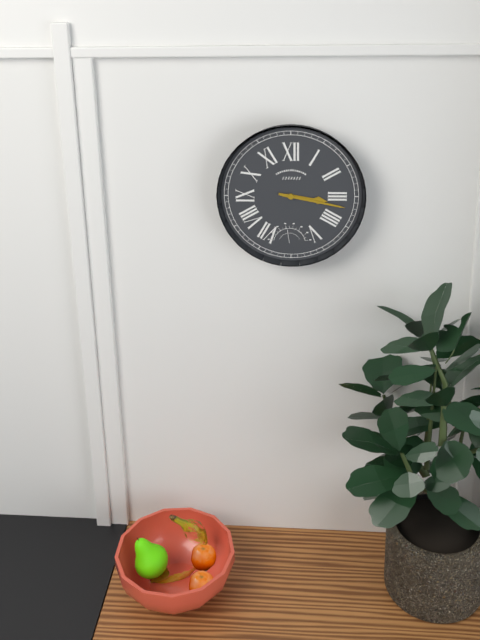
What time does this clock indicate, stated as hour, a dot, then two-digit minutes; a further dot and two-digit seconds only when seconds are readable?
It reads 3.17
